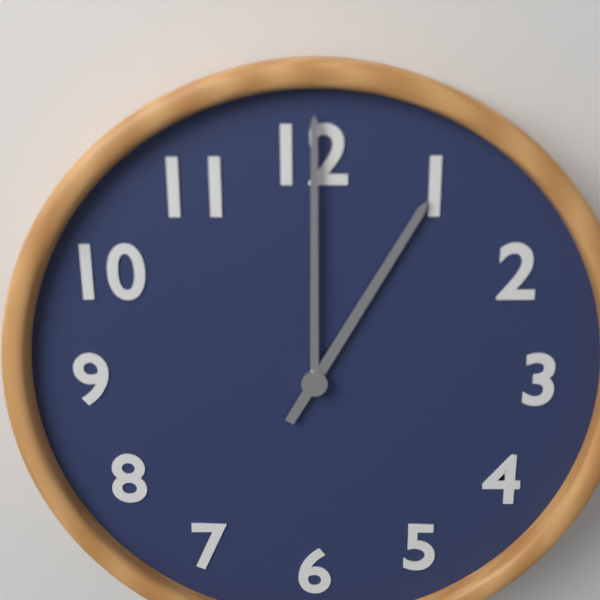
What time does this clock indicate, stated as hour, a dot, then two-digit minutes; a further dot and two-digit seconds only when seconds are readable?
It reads 1.00
